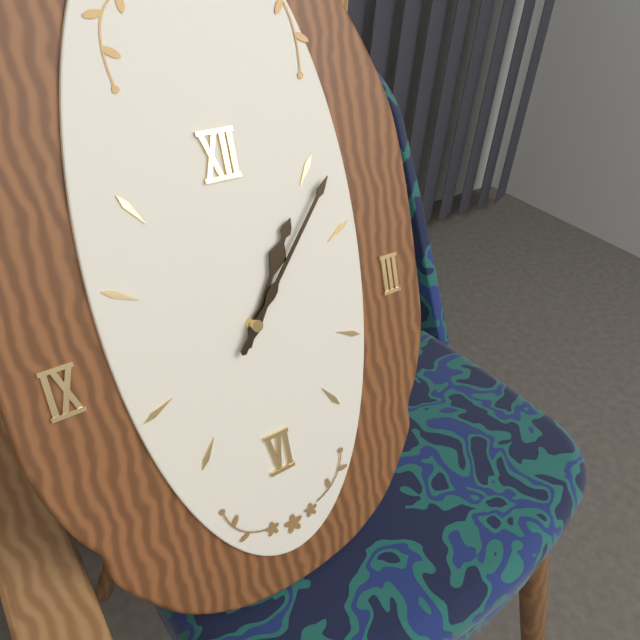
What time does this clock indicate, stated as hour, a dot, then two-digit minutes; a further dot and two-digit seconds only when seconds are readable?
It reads 1.07
